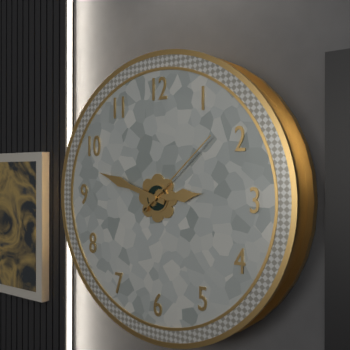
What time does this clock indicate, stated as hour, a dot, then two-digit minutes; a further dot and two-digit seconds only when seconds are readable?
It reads 2.48.08
